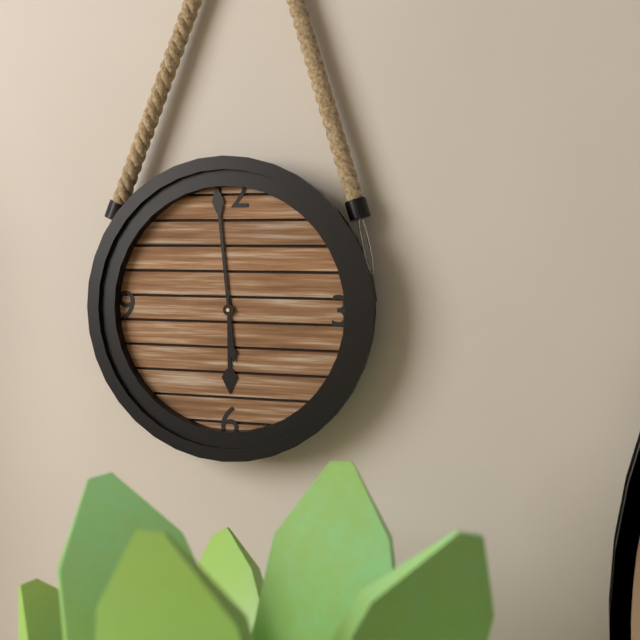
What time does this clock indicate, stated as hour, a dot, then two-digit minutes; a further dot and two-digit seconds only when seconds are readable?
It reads 5.59
